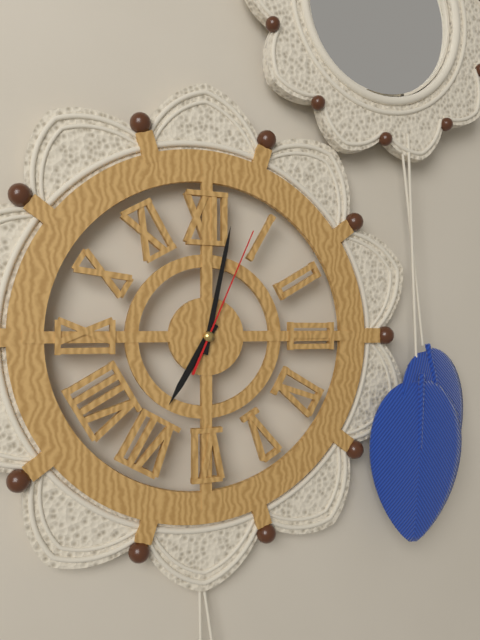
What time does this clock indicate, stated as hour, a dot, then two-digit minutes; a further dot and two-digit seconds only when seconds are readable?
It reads 7.02.04
